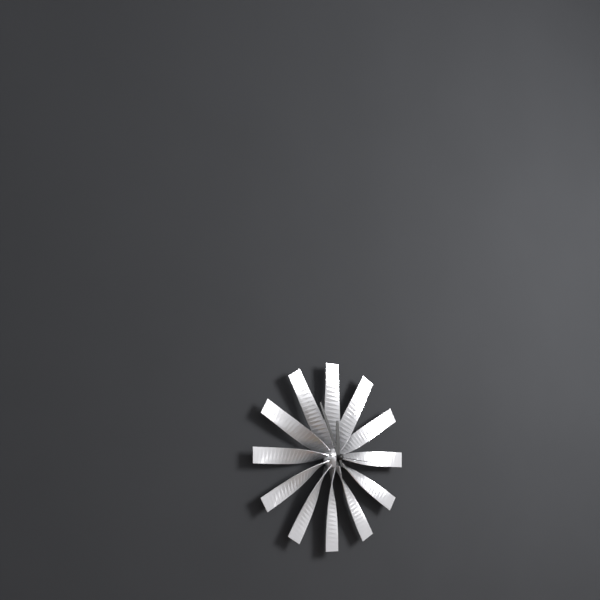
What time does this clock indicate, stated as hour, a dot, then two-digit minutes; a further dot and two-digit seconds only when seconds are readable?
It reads 11.56.16
